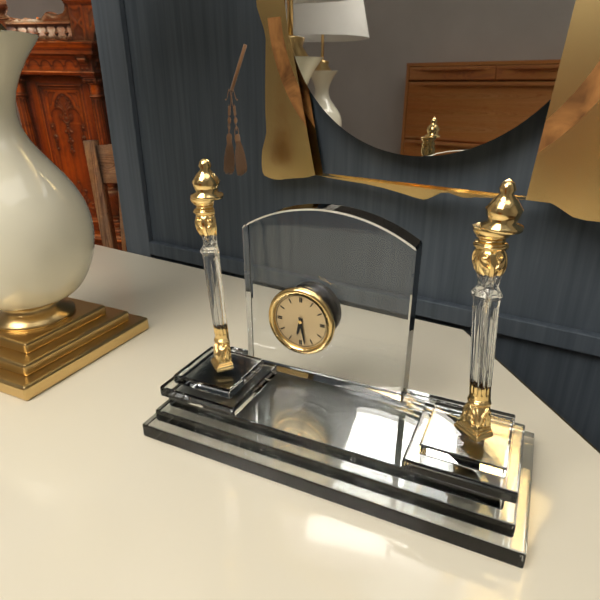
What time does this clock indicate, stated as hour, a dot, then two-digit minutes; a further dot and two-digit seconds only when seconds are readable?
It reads 6.28
